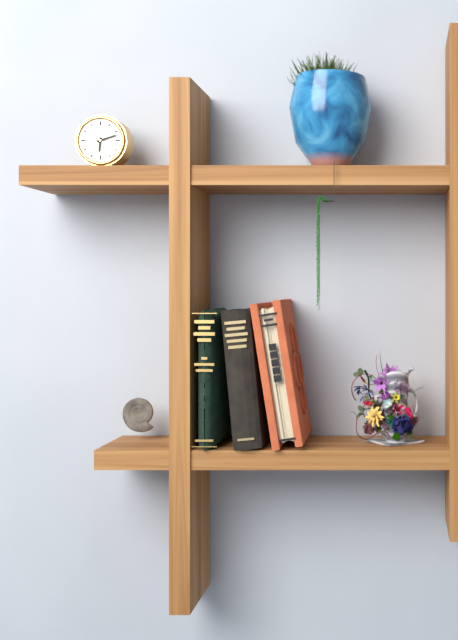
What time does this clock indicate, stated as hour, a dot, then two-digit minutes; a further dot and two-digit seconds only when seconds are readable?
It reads 6.12
